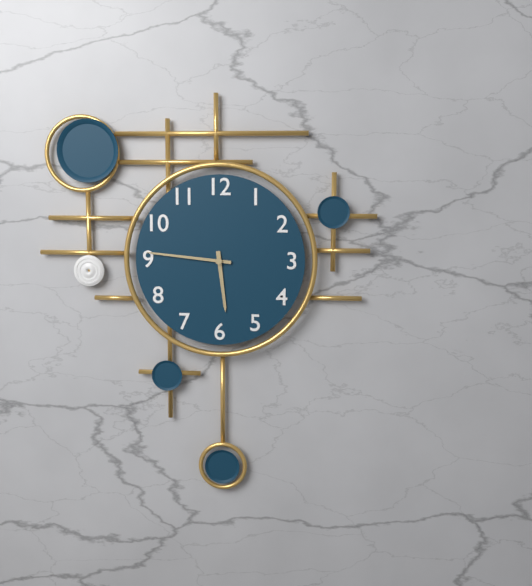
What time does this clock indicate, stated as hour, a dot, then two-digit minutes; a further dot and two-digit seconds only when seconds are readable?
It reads 5.46
